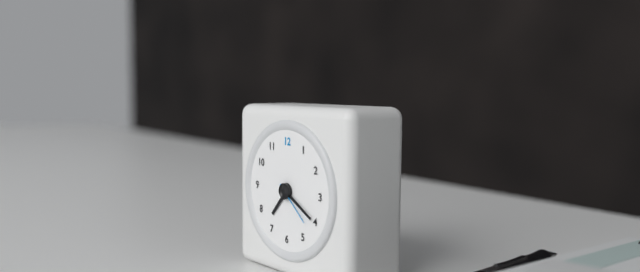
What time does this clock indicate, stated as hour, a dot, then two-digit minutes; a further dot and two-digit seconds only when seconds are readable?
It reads 7.20
